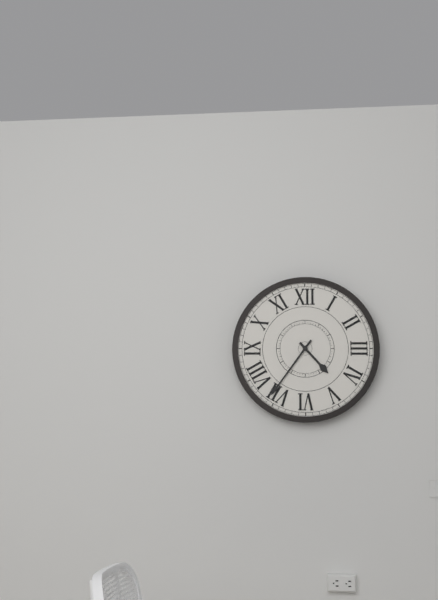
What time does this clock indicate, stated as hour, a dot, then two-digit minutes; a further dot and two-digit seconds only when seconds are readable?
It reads 4.36
